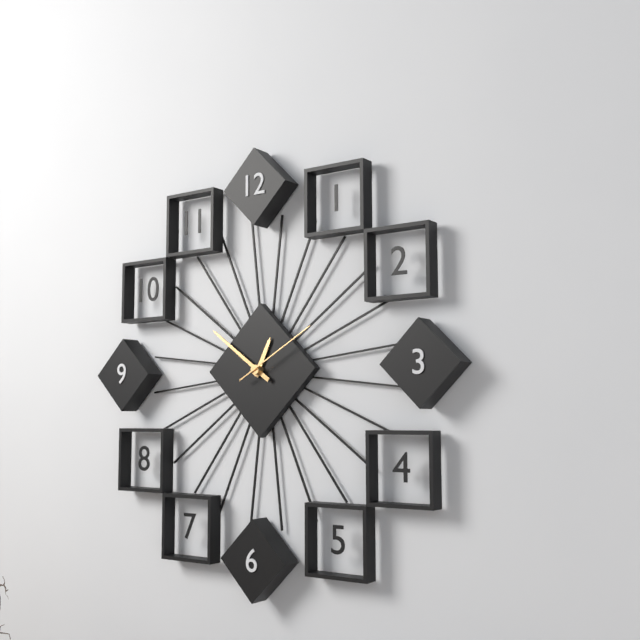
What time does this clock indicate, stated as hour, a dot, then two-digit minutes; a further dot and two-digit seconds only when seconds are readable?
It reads 12.51.10
